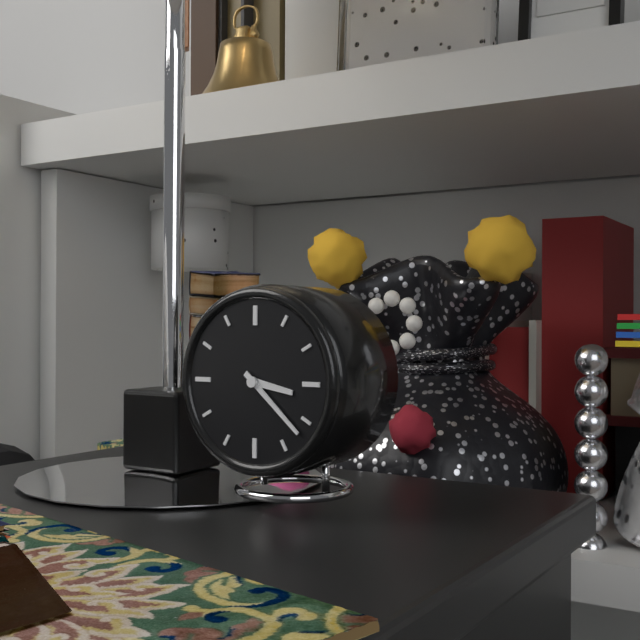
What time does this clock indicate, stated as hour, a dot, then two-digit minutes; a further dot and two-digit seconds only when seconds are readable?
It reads 3.22
